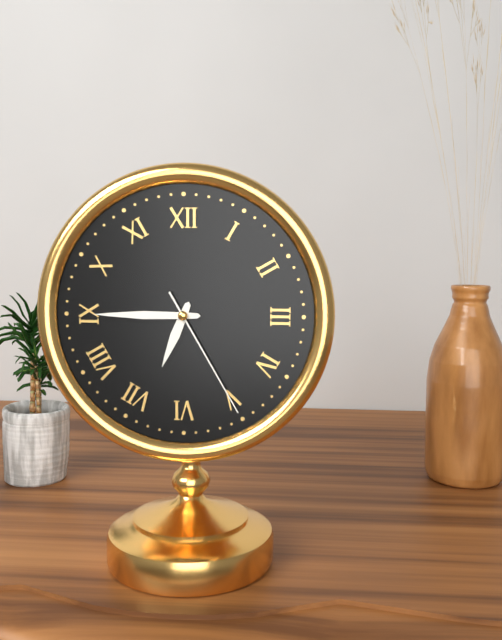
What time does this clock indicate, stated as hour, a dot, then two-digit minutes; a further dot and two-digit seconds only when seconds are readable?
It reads 6.45.25
